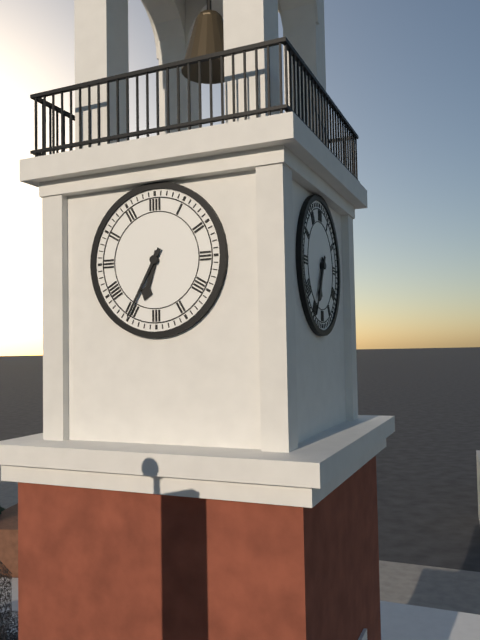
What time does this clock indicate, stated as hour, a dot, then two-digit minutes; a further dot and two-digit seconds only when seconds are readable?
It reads 6.35
